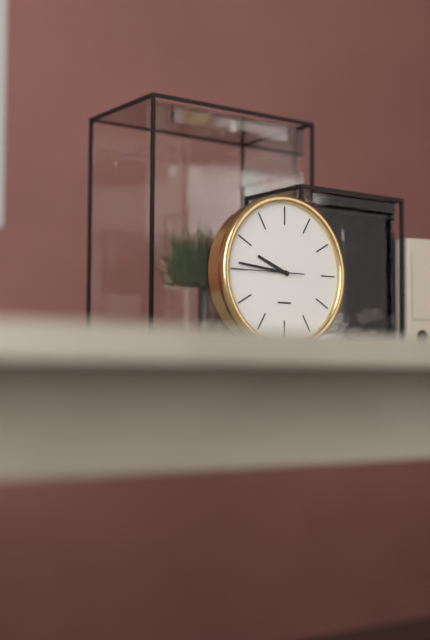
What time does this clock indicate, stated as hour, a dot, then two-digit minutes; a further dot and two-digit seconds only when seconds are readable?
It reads 9.46.45
